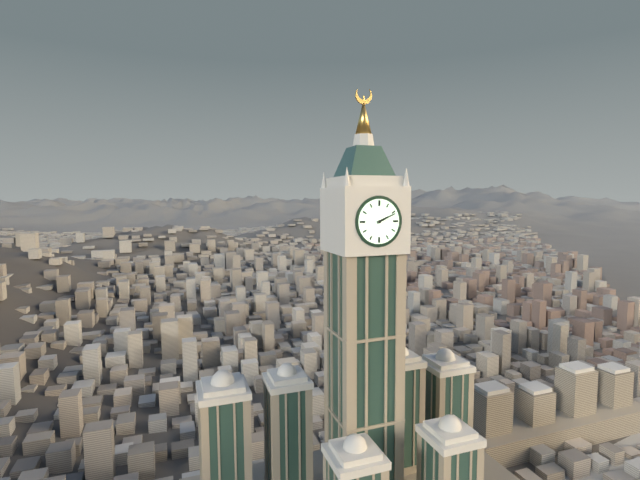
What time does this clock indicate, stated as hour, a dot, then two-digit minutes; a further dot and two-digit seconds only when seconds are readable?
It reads 2.11
